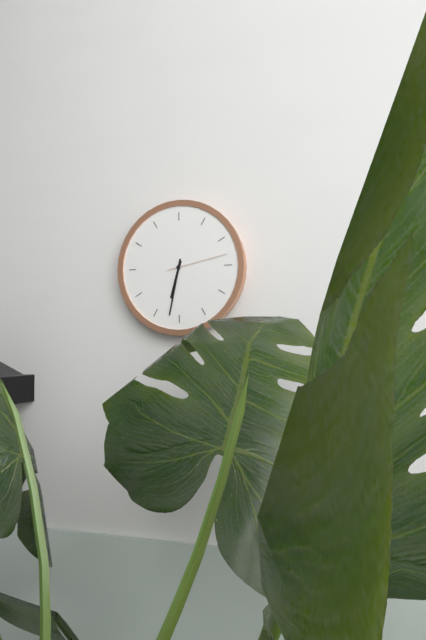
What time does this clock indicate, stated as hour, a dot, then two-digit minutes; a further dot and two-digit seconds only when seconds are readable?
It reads 6.32.13
